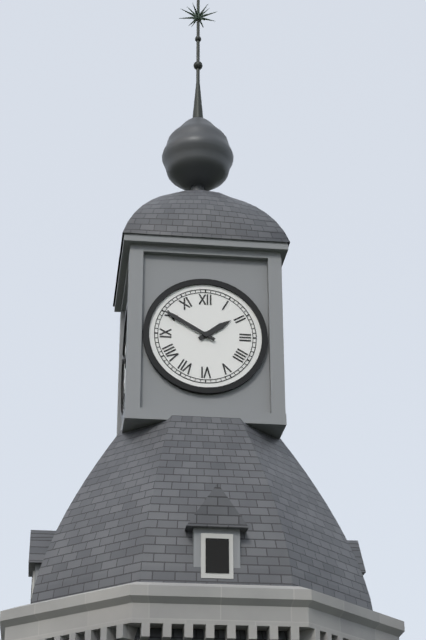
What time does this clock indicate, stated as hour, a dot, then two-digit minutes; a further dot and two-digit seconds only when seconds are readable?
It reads 1.50
